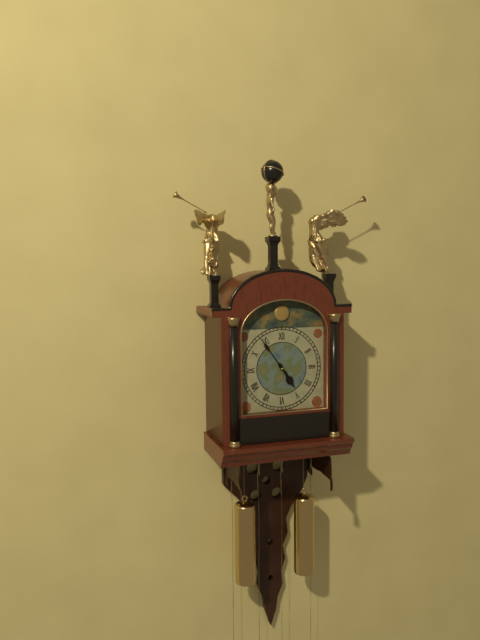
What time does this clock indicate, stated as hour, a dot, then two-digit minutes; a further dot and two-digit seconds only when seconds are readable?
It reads 4.54
